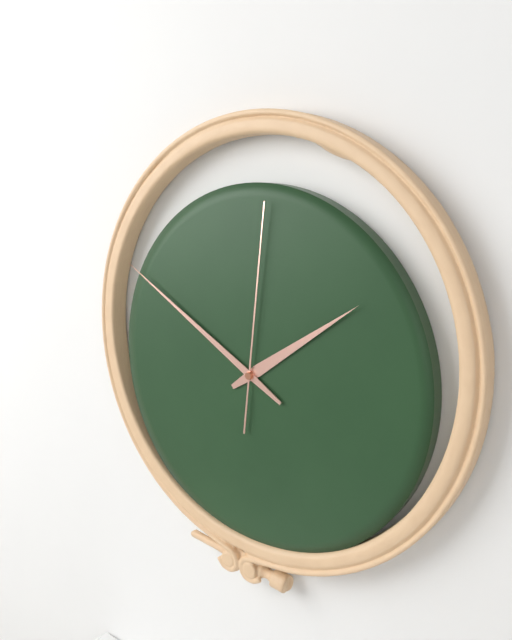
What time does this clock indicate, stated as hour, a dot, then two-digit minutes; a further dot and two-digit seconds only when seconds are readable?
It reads 1.50.01
